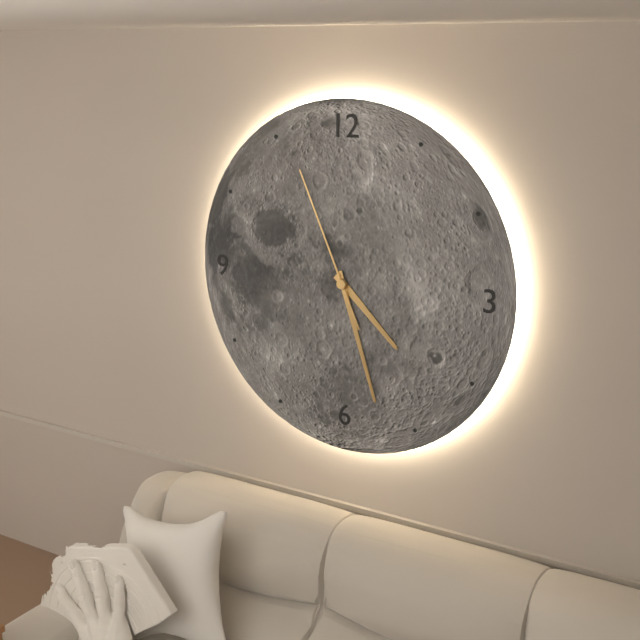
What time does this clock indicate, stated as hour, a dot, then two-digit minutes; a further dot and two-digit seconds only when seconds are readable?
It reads 4.27.56
